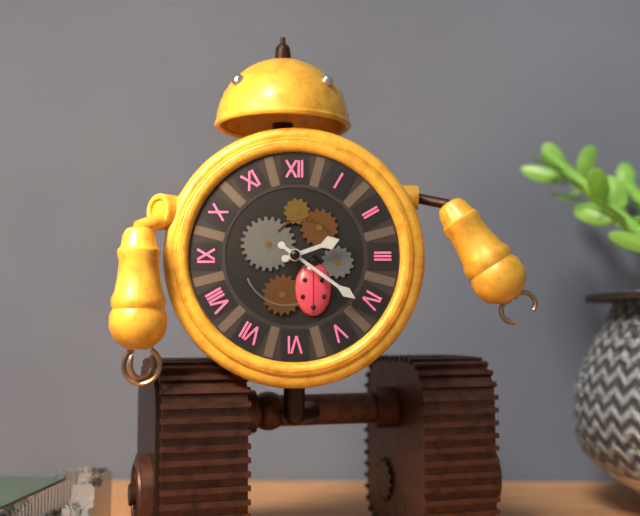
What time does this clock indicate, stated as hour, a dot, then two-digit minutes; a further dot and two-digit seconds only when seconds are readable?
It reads 2.21
